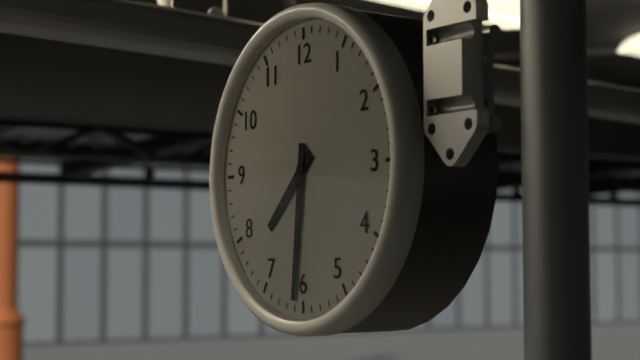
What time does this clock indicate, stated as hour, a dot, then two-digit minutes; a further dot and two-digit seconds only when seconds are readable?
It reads 7.31
